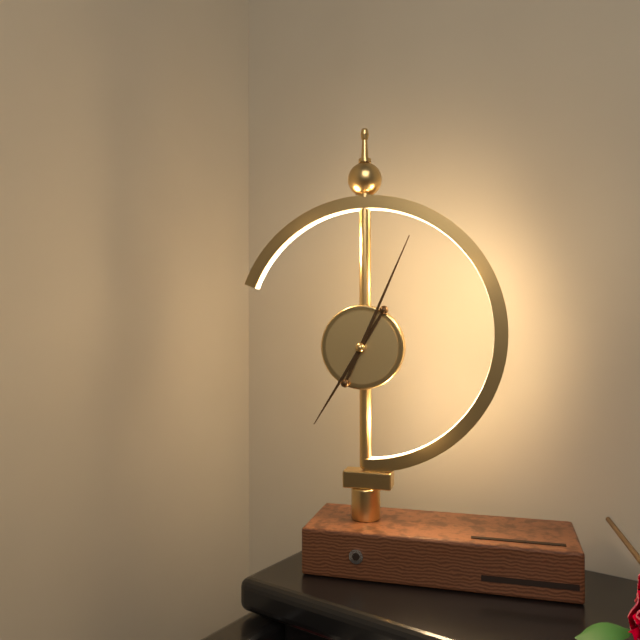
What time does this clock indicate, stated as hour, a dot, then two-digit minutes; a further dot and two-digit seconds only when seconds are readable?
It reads 7.04
